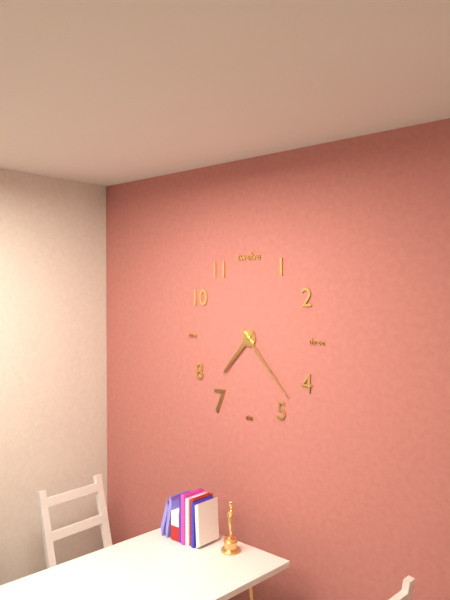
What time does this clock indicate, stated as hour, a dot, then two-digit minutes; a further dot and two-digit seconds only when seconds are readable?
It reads 7.23
